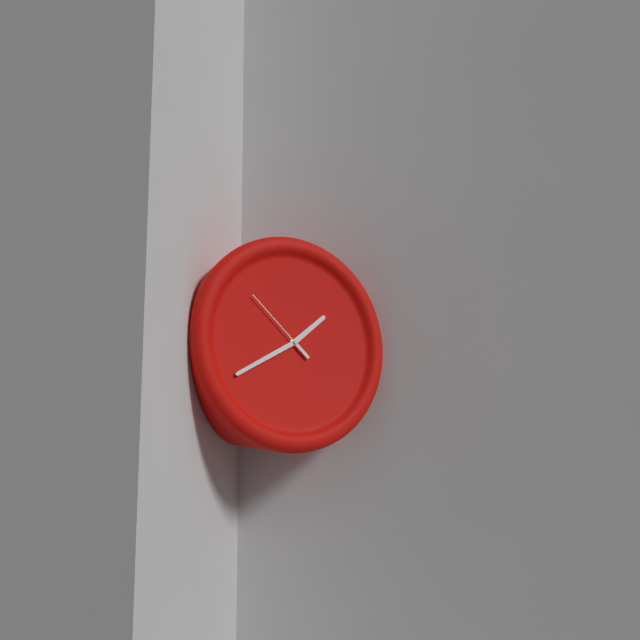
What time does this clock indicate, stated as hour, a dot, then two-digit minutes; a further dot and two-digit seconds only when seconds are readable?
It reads 1.40.52
